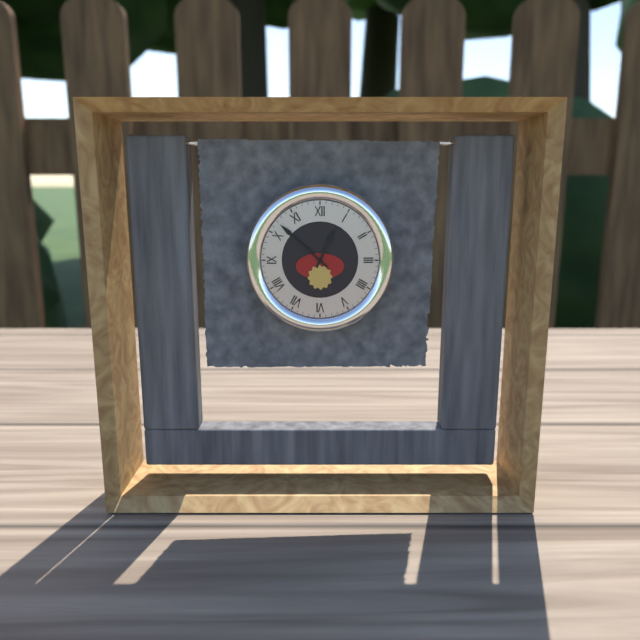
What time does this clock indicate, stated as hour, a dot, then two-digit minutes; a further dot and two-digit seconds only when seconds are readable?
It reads 12.52
